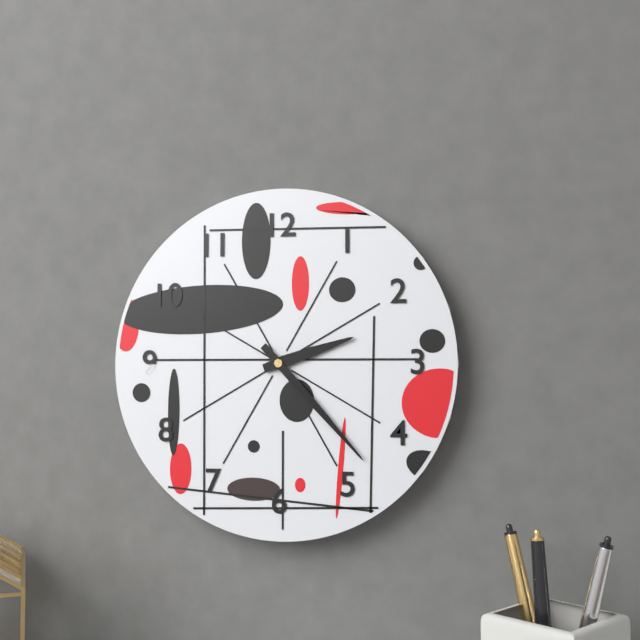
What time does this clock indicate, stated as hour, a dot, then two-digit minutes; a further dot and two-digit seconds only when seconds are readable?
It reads 2.23
